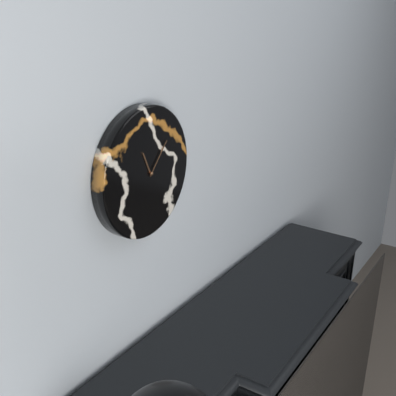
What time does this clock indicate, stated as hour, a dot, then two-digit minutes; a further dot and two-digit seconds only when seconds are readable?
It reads 11.07
